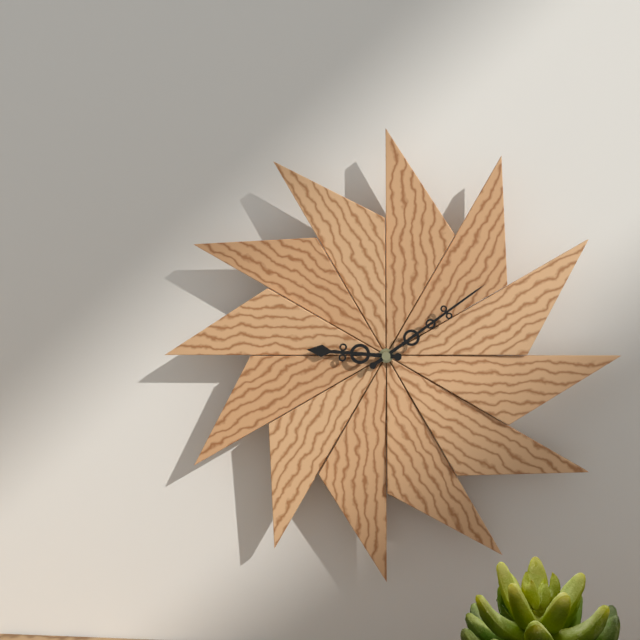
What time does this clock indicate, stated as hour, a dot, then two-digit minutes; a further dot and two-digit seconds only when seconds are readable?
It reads 9.09
